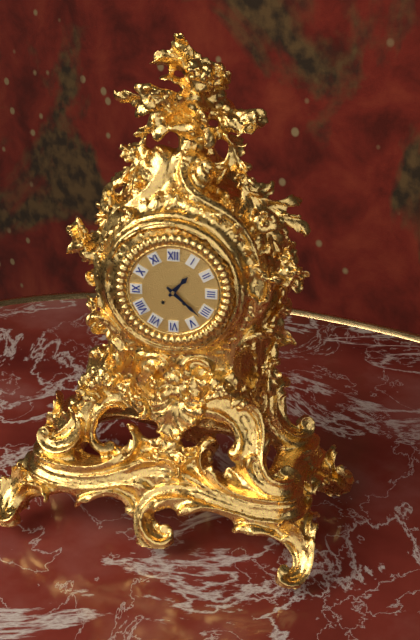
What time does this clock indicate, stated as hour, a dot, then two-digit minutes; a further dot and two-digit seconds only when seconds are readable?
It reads 1.22
